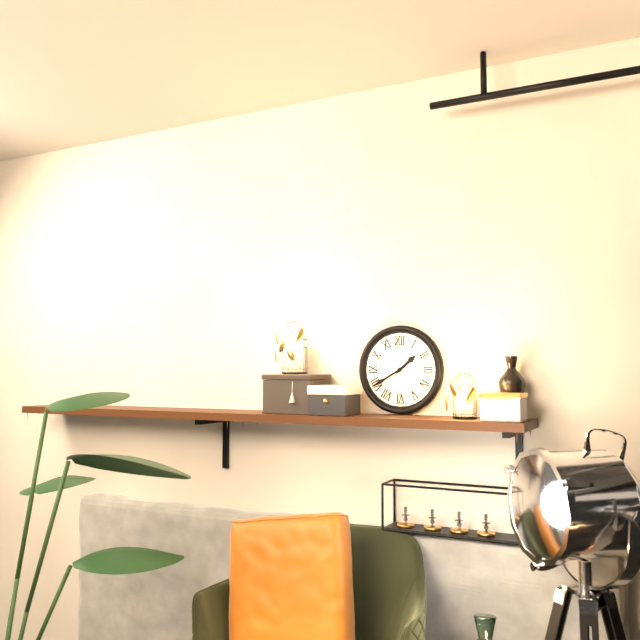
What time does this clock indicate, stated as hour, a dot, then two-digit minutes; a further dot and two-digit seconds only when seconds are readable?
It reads 1.40
